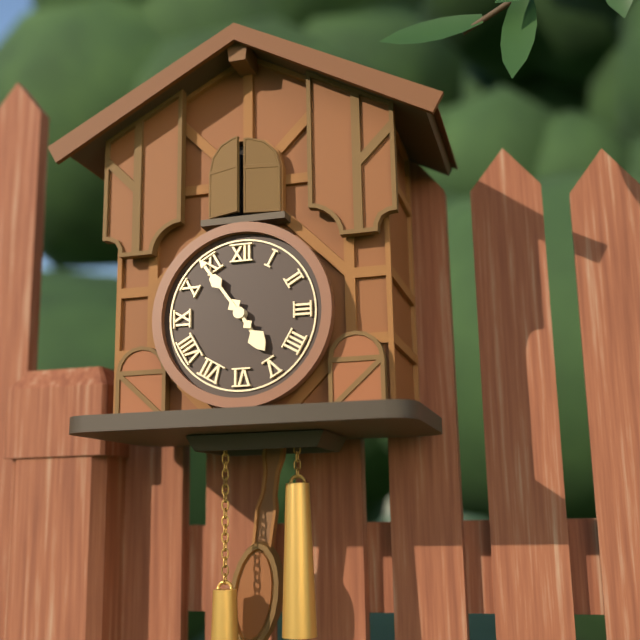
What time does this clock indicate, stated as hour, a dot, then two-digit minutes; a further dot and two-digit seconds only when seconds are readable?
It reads 4.54
